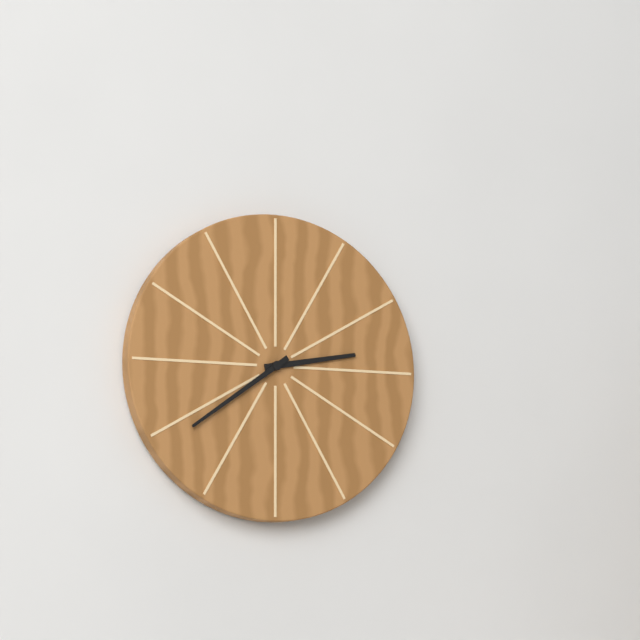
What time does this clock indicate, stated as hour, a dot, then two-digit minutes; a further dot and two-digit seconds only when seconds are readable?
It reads 2.39
